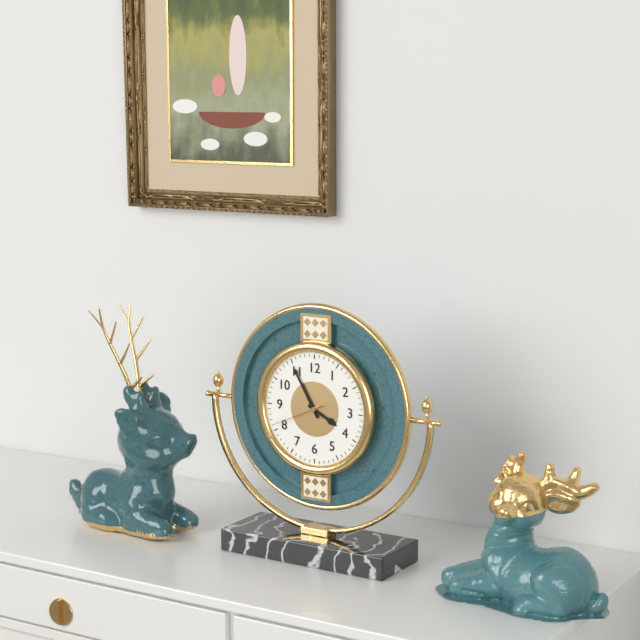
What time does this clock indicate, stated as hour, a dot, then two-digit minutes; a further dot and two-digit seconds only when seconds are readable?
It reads 3.55.41
